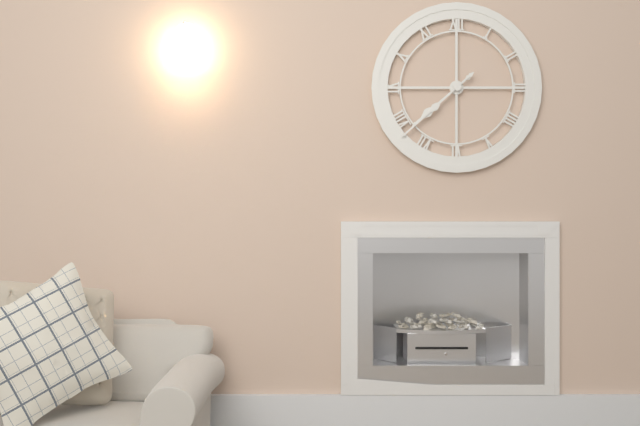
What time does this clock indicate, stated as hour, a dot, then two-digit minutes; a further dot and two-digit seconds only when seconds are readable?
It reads 7.38
